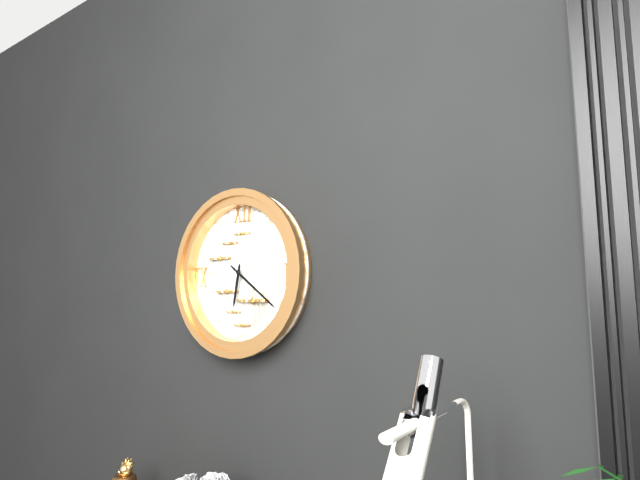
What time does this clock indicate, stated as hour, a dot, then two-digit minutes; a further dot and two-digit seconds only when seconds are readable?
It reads 6.21
